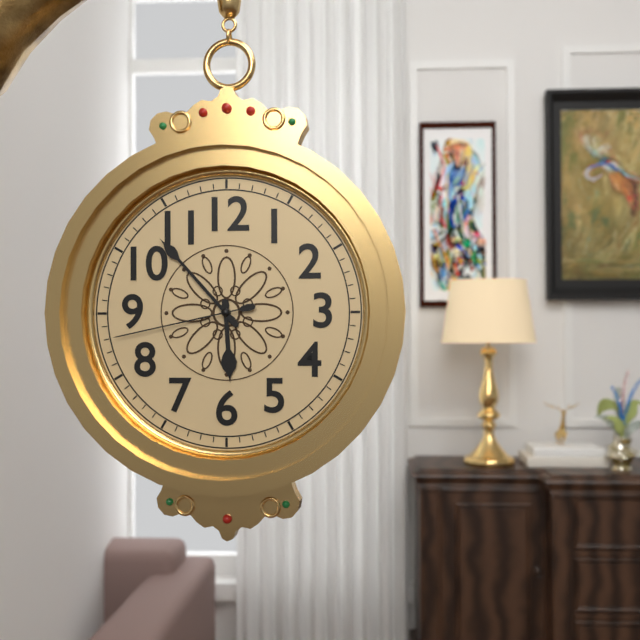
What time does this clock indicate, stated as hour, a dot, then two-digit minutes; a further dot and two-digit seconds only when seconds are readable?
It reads 5.53.43
